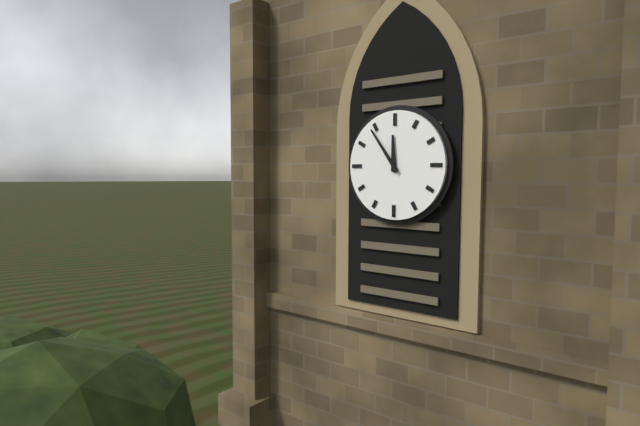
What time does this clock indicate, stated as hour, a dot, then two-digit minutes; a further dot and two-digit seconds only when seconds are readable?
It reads 11.54
